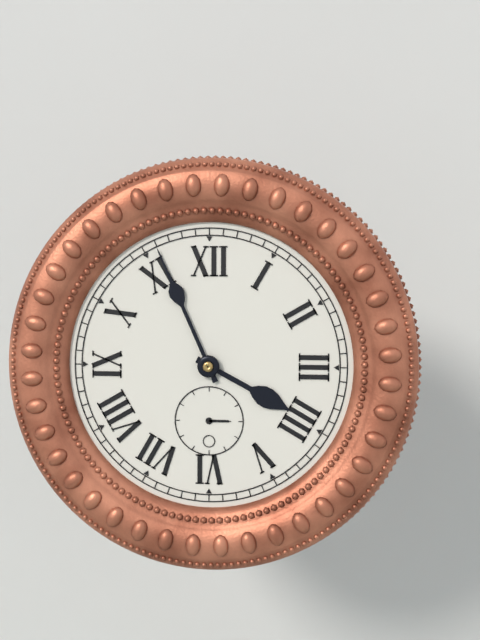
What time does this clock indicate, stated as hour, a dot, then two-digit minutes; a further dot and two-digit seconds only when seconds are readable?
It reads 3.56
